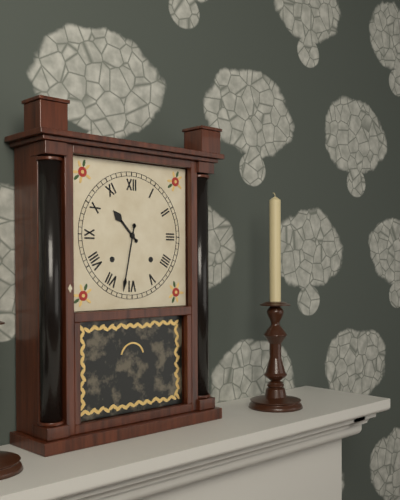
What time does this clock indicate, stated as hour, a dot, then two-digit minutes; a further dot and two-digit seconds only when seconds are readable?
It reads 10.32
